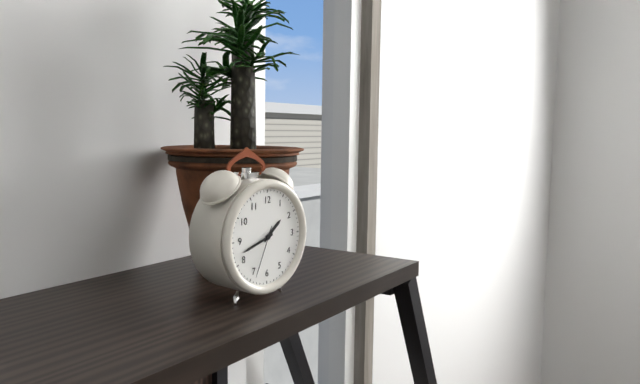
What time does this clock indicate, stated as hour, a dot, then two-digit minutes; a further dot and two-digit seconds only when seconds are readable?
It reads 1.42.34
